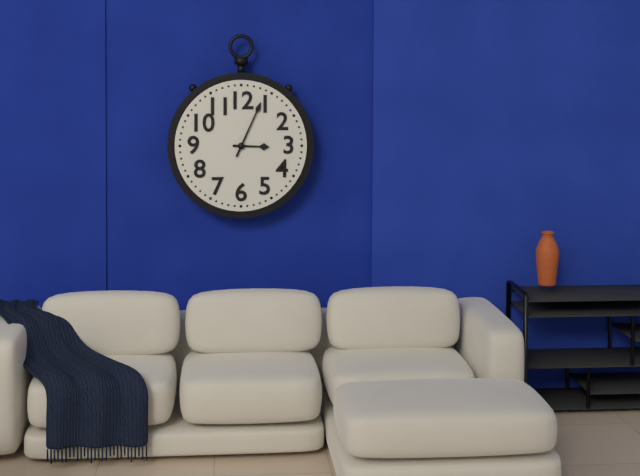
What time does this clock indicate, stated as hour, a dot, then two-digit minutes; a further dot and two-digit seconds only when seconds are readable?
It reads 3.04
